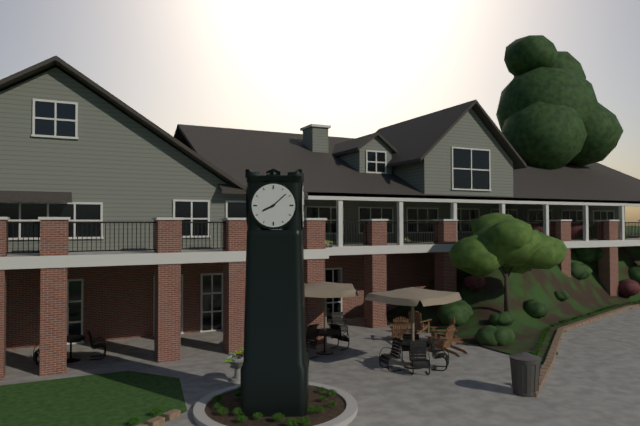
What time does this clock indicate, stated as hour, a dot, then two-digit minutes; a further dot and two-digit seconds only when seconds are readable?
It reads 8.08
